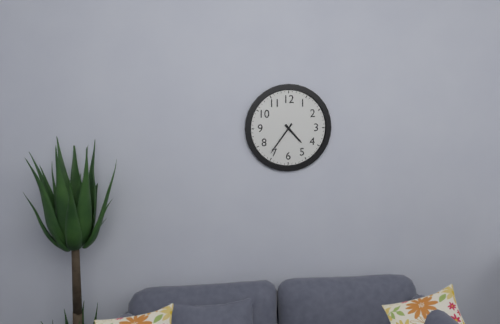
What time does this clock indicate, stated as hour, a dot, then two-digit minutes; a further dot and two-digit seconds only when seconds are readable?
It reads 4.36
